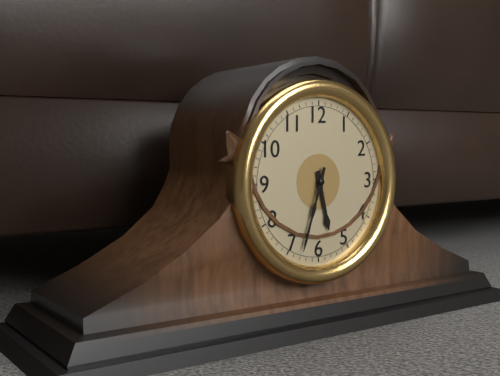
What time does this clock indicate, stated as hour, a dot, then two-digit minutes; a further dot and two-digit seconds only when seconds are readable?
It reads 5.33
